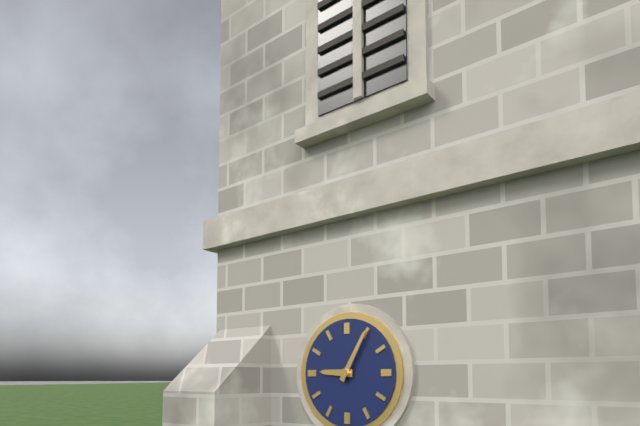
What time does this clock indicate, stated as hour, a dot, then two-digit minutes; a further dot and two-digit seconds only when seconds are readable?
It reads 9.05
